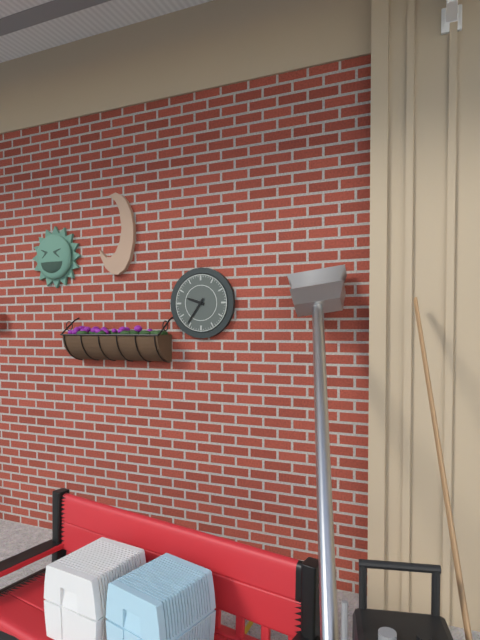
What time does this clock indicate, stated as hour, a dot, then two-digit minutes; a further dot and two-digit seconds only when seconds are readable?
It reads 9.36
